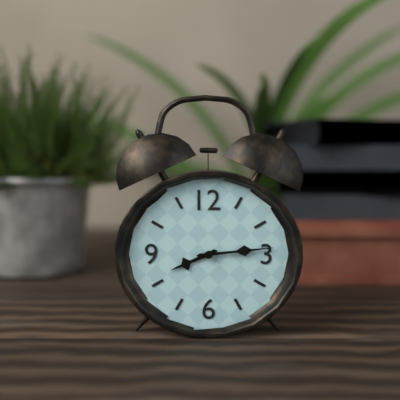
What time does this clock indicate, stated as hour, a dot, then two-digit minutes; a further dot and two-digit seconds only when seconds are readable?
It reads 8.14
